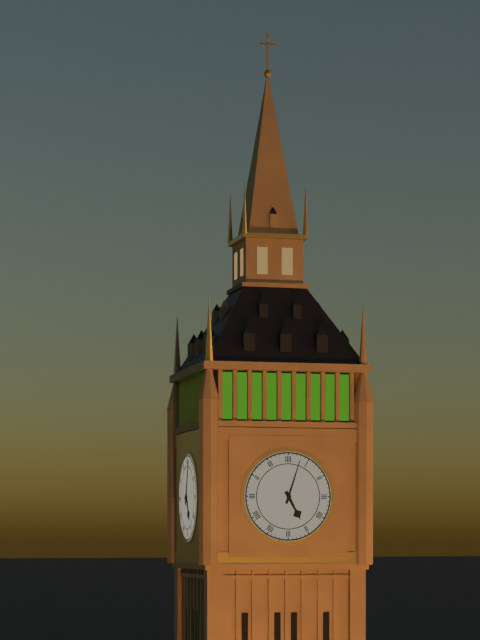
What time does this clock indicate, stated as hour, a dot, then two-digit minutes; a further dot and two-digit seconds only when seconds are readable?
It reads 5.03
